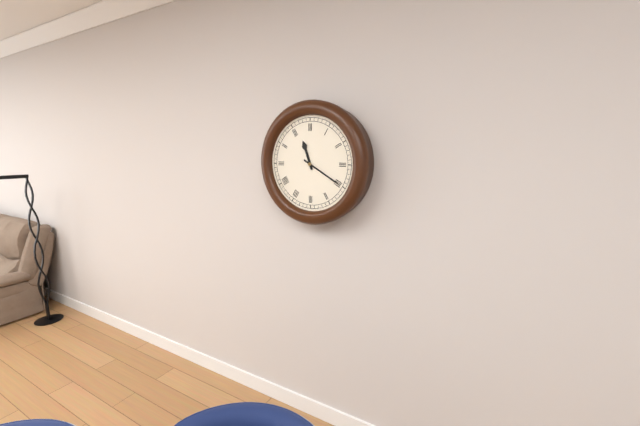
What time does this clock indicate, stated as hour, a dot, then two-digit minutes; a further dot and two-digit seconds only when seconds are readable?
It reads 11.20
